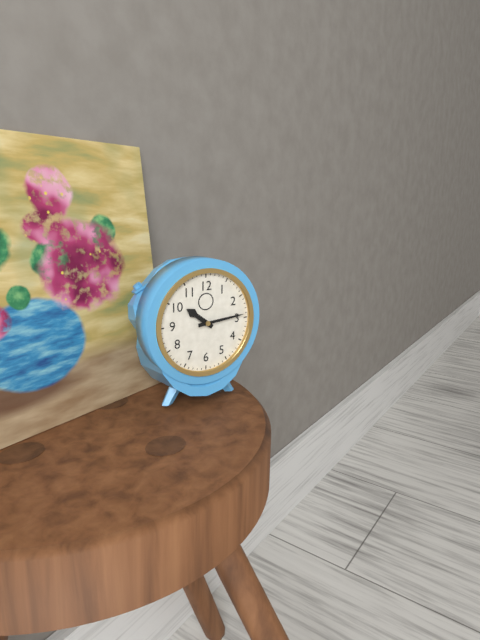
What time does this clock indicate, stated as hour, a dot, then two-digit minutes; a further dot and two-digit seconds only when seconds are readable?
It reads 10.14
